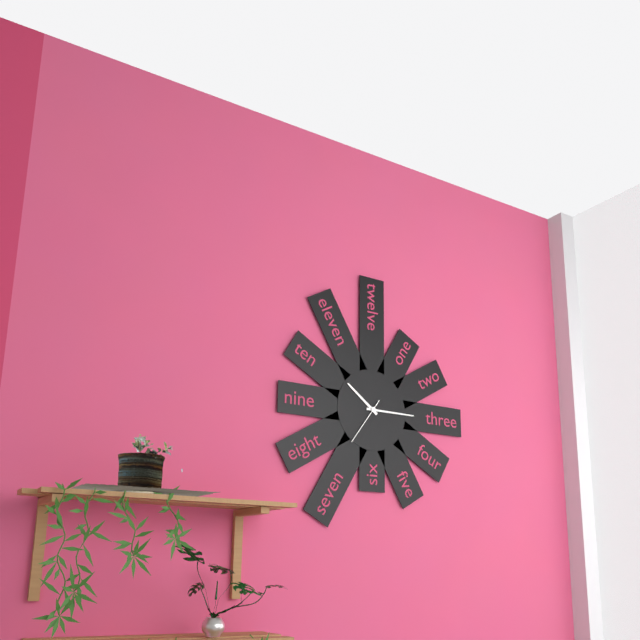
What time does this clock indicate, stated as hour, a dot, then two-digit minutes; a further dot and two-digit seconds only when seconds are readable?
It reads 10.15
